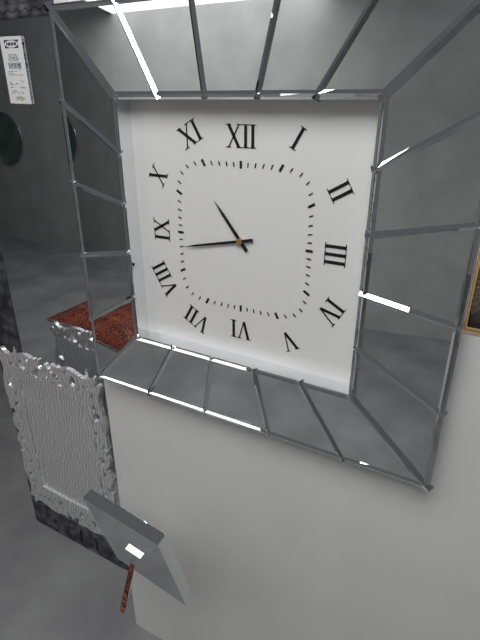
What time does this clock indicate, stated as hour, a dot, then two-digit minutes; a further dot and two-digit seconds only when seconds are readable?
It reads 10.43
